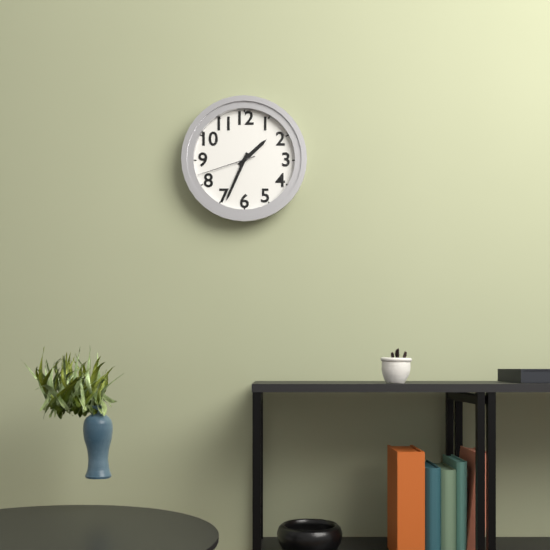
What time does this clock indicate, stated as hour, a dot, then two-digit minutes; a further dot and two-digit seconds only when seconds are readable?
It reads 1.34.42
